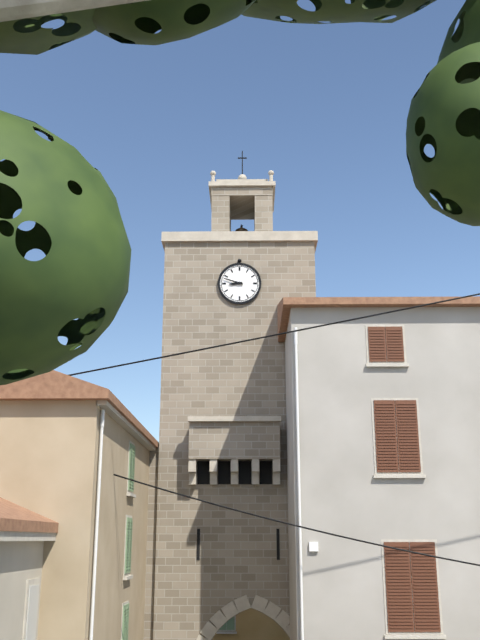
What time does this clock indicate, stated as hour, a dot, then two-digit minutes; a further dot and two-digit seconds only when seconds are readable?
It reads 8.48
